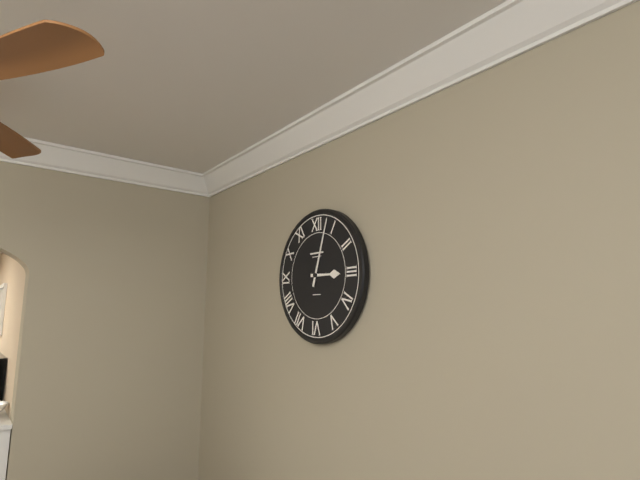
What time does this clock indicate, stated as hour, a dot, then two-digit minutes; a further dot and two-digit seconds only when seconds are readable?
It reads 3.03
